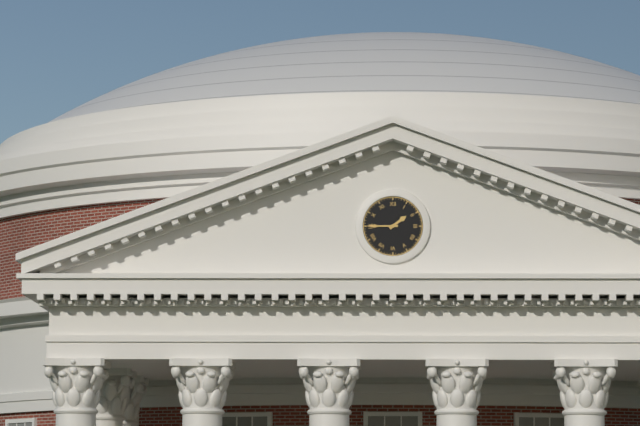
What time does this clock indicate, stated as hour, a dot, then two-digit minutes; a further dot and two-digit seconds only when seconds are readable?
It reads 1.45
